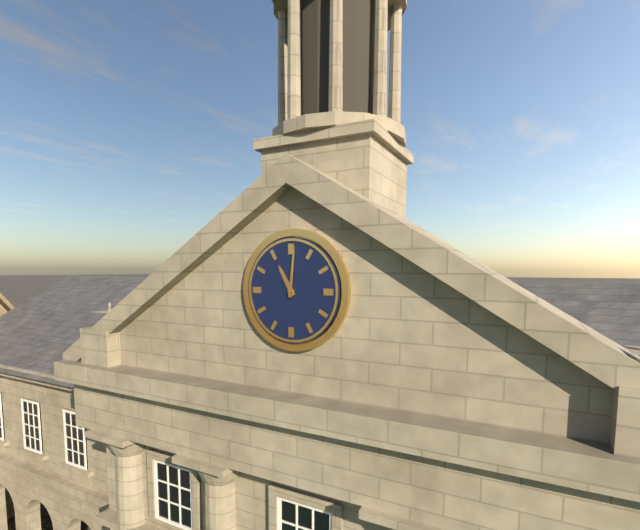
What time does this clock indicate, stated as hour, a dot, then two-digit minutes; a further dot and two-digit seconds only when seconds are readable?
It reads 11.01
